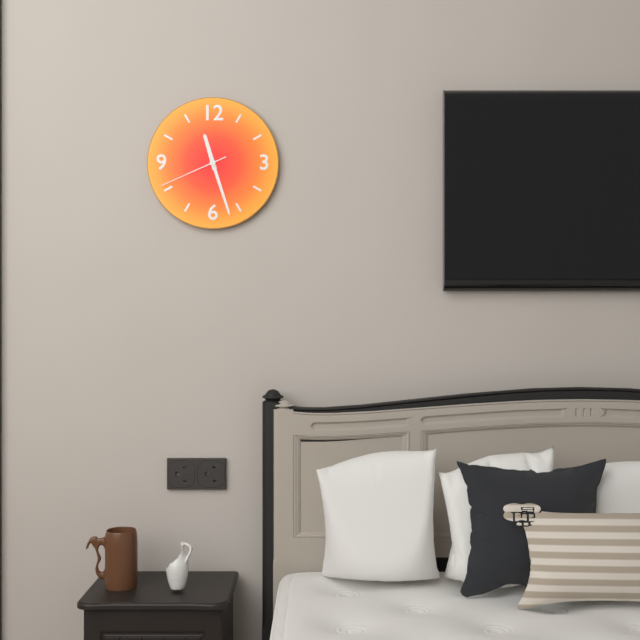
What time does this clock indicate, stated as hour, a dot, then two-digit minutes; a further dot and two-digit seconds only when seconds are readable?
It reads 11.27.41
